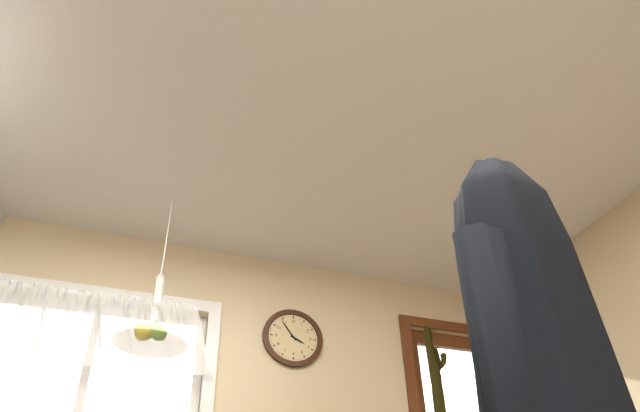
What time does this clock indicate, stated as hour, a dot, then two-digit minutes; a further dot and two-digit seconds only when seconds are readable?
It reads 3.54
